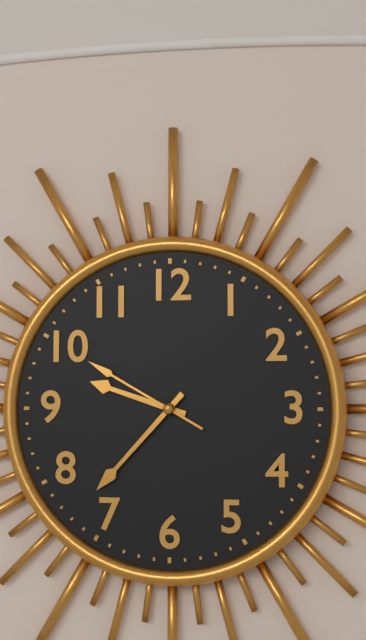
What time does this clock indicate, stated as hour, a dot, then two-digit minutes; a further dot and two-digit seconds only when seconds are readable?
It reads 9.37.50
